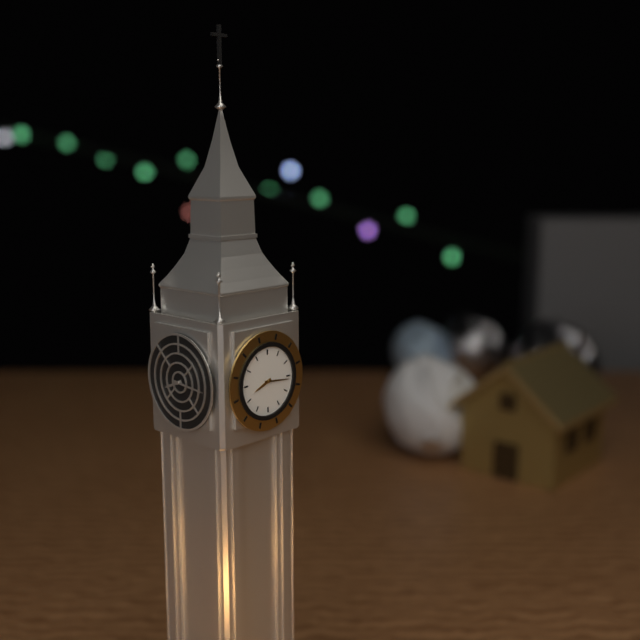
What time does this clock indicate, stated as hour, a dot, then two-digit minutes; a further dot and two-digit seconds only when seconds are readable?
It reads 8.16
